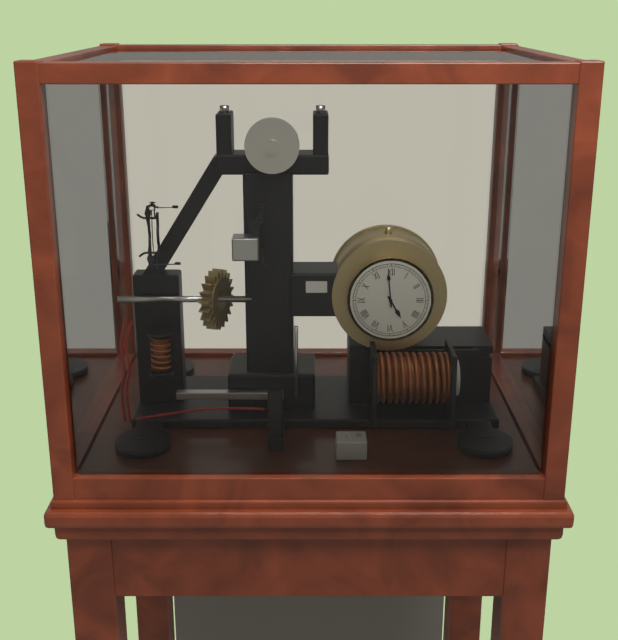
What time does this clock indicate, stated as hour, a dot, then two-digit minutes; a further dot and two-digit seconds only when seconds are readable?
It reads 4.59
